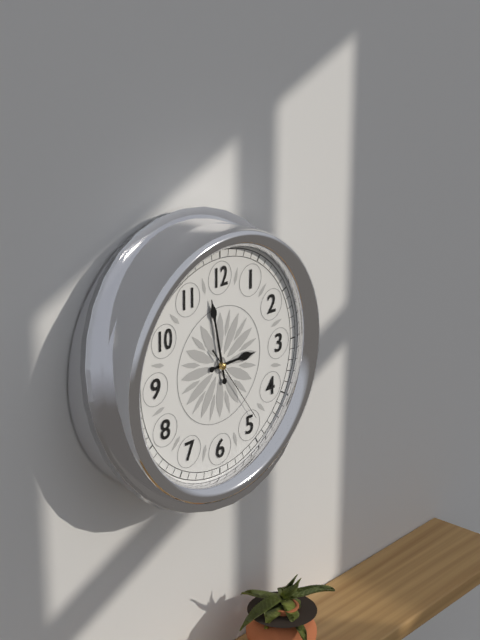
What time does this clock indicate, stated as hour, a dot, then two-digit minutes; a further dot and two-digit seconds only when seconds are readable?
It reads 2.58.24
